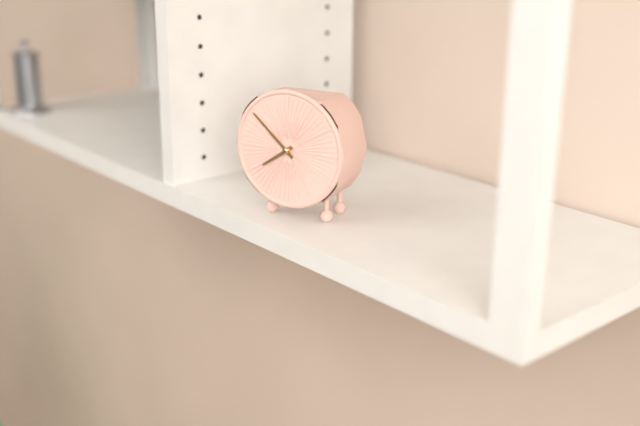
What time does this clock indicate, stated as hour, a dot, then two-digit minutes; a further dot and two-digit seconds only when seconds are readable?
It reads 7.52
